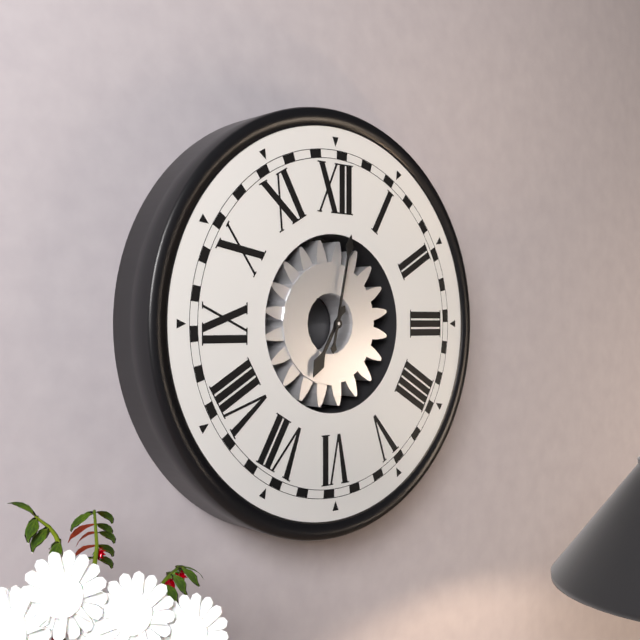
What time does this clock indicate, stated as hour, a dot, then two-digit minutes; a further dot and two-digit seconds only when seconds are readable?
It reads 7.02
